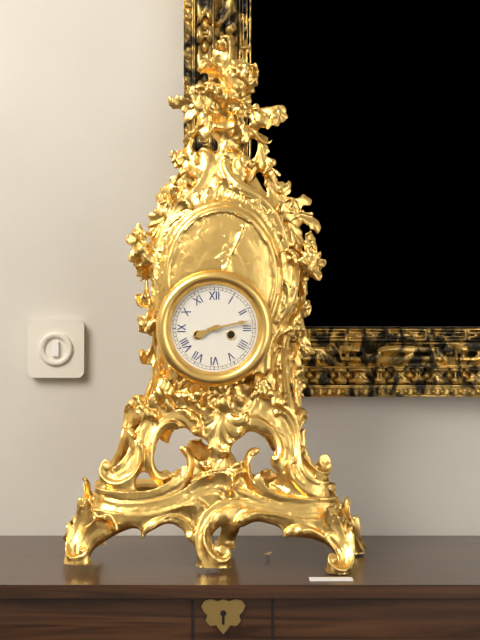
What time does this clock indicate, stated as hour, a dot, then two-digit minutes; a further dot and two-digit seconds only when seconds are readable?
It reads 8.13
